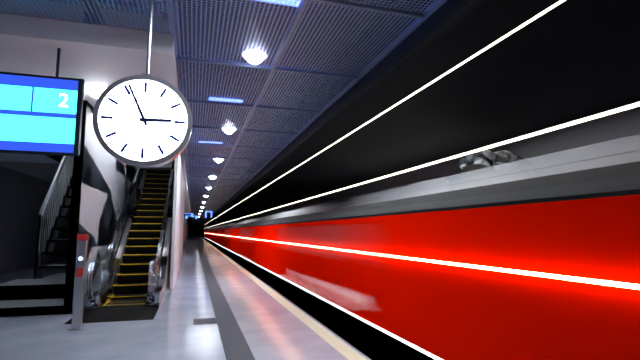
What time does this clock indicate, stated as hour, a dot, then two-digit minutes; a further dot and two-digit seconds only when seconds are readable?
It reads 2.56
